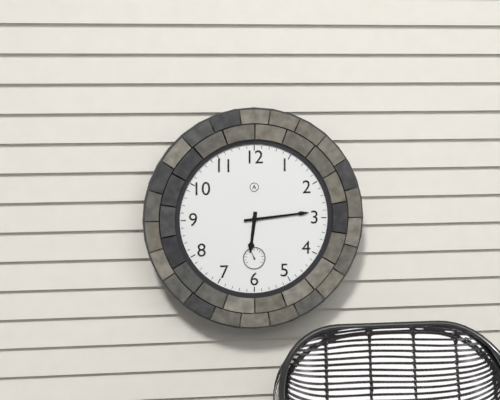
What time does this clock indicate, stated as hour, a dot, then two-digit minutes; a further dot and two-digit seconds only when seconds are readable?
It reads 6.14
